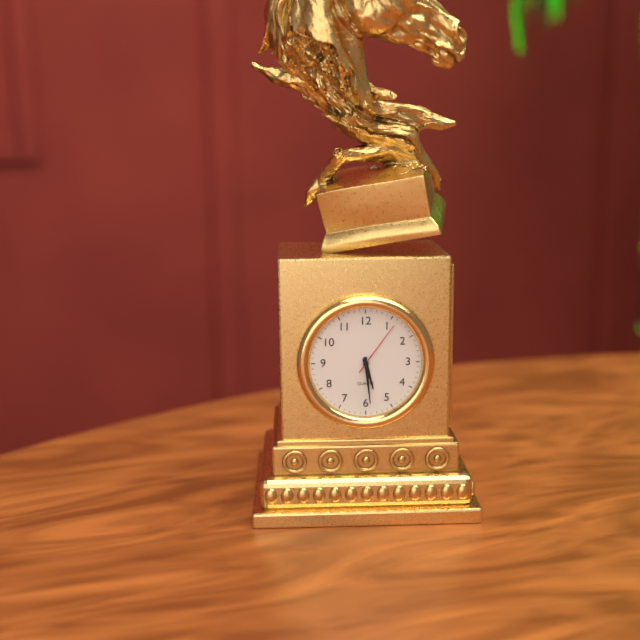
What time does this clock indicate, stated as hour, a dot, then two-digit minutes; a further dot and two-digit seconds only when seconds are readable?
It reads 5.29.06
